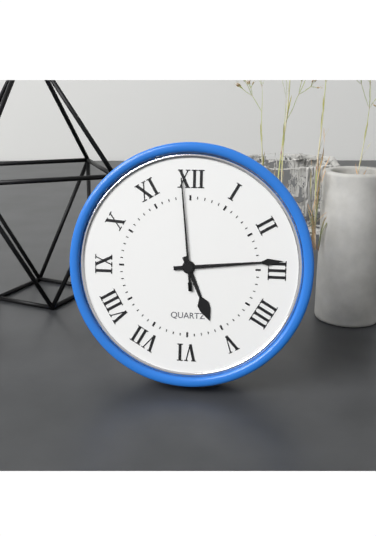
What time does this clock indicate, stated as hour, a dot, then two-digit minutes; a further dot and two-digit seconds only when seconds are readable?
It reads 5.14.59
